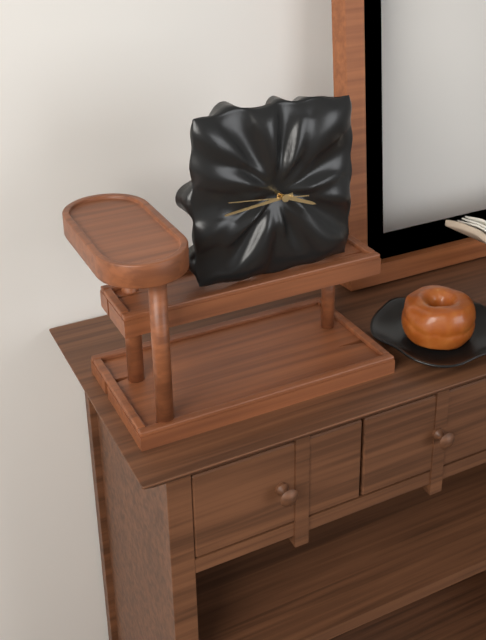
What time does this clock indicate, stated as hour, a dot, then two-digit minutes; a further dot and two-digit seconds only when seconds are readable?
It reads 3.44.46
